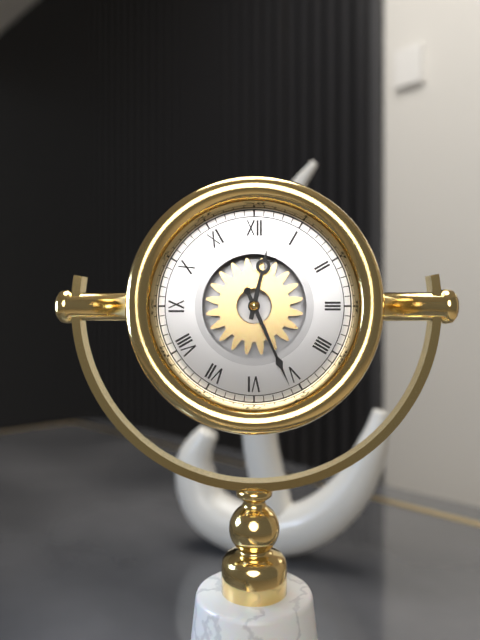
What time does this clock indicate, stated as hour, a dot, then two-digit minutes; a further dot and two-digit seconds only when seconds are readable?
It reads 12.26
